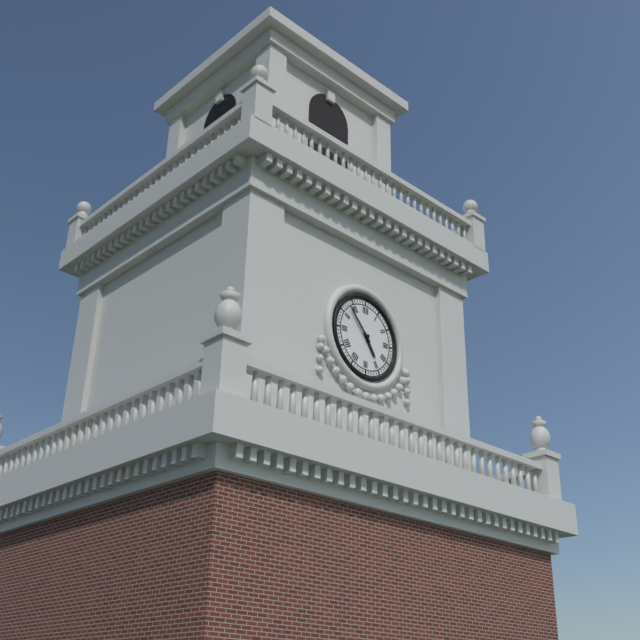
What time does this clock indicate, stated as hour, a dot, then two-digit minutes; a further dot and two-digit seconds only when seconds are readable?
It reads 4.53
